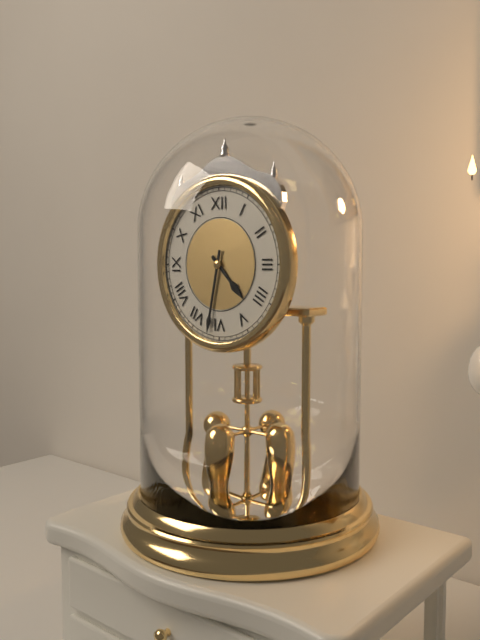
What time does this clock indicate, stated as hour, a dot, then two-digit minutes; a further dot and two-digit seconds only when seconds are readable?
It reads 4.32
